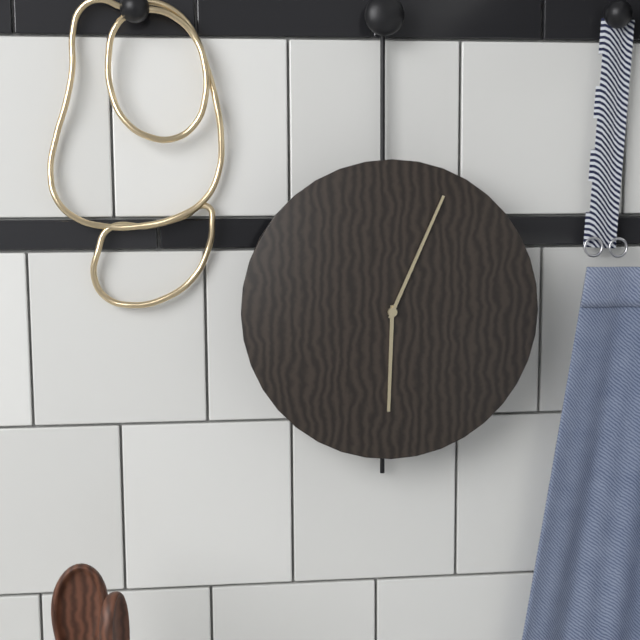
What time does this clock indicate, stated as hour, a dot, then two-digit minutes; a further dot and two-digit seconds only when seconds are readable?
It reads 6.04
